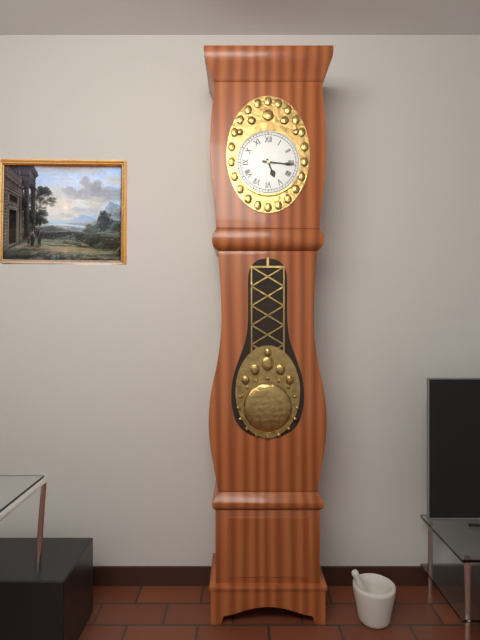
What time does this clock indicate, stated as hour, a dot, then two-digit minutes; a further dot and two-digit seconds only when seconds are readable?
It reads 5.16
